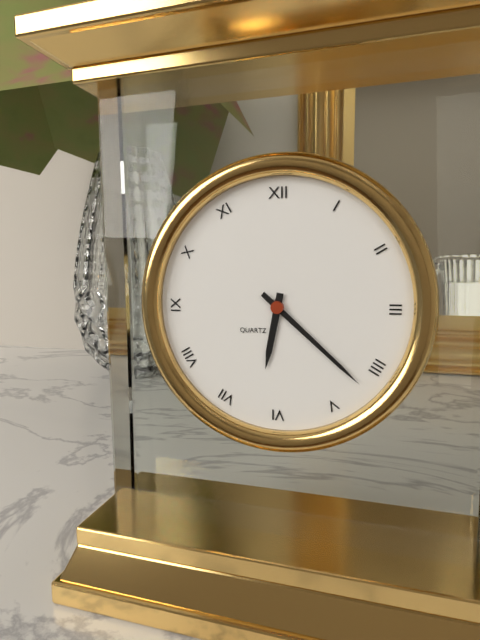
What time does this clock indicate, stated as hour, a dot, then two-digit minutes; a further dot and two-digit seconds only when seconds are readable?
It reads 6.22
